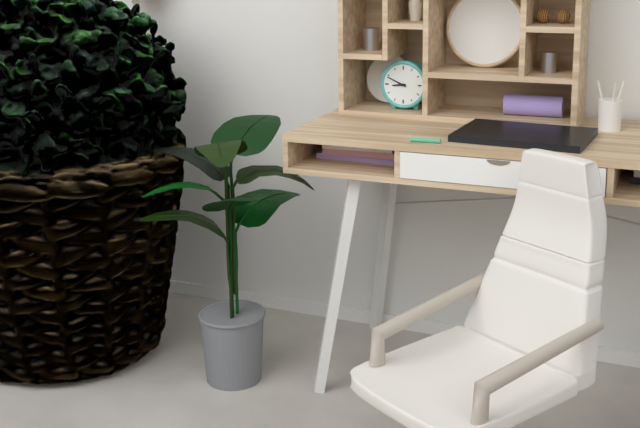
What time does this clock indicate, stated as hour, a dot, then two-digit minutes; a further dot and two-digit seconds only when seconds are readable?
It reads 8.49
